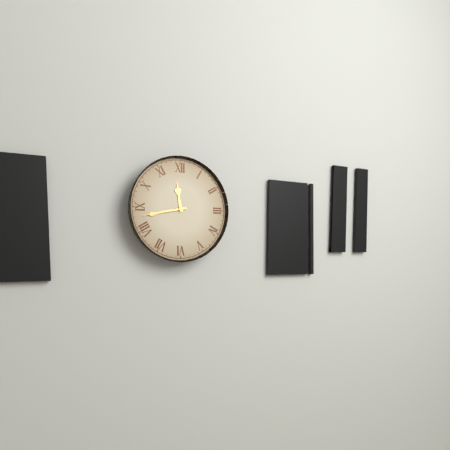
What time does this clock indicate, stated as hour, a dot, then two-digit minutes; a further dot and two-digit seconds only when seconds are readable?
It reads 11.43
